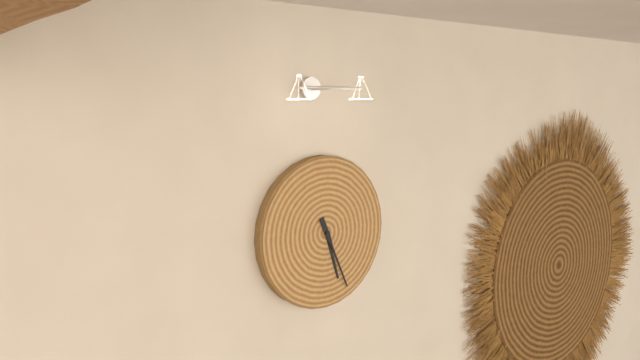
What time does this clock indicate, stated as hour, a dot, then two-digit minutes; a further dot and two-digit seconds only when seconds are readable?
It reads 5.26
